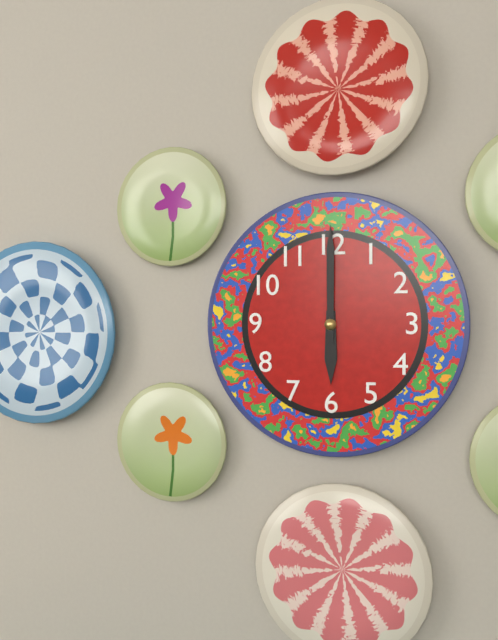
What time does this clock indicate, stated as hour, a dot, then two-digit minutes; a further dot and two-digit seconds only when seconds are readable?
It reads 6.00
